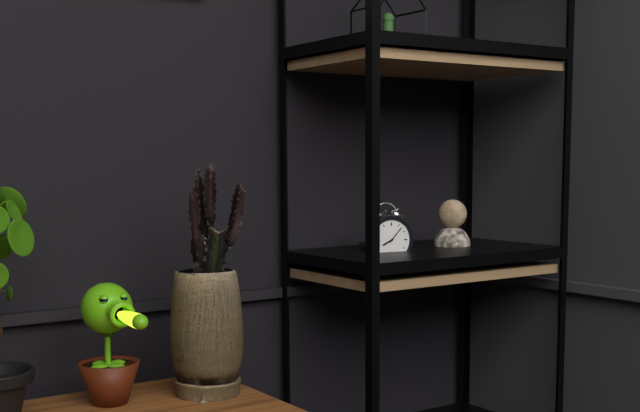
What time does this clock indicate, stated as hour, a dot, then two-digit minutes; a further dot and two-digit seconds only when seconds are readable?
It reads 8.07
